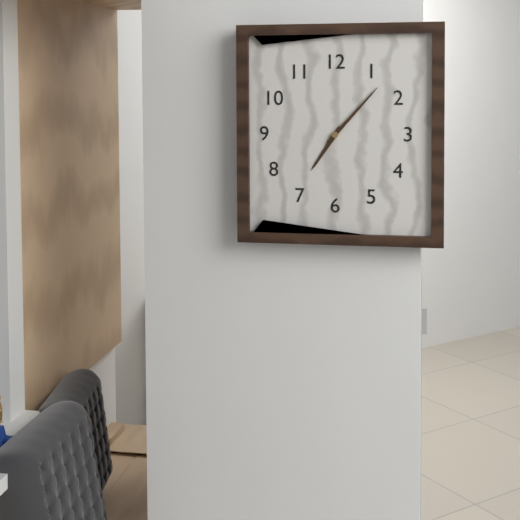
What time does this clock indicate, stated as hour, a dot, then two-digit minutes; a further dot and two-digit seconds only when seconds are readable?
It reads 7.07
